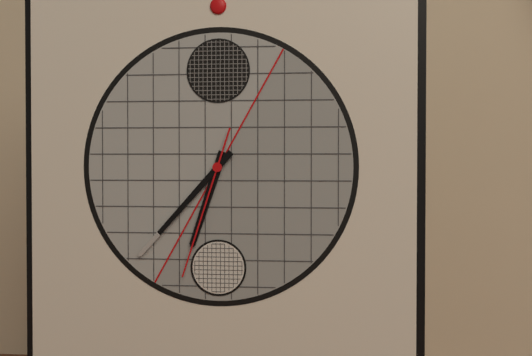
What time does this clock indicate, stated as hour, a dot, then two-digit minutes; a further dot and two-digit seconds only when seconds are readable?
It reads 6.37.33
